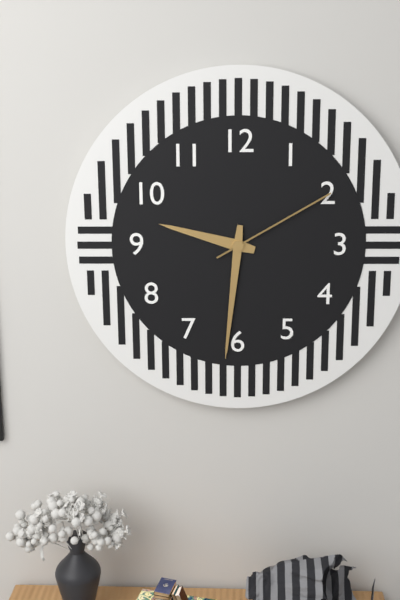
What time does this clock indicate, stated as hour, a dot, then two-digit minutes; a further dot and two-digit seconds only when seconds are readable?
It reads 9.31.10
